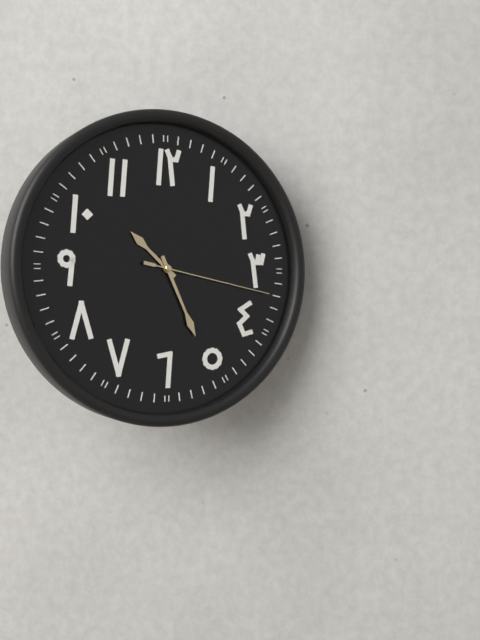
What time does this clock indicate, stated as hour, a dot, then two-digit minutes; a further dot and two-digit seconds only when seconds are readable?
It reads 10.26.17
